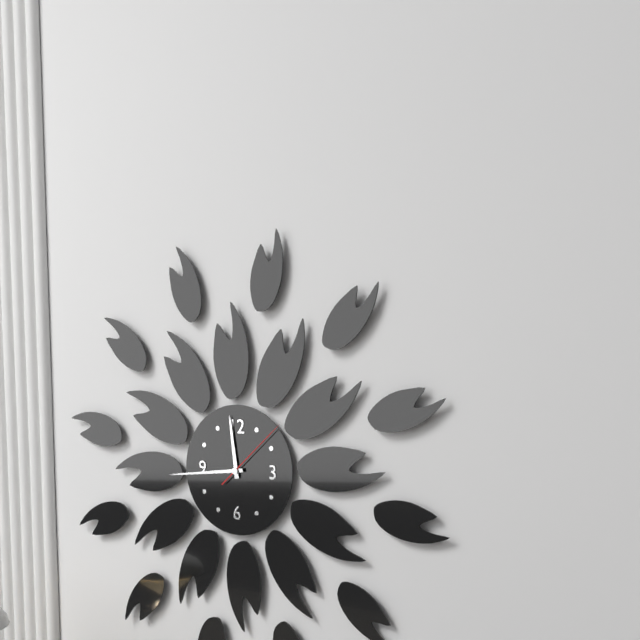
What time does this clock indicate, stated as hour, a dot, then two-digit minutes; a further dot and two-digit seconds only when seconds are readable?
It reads 11.44.08
